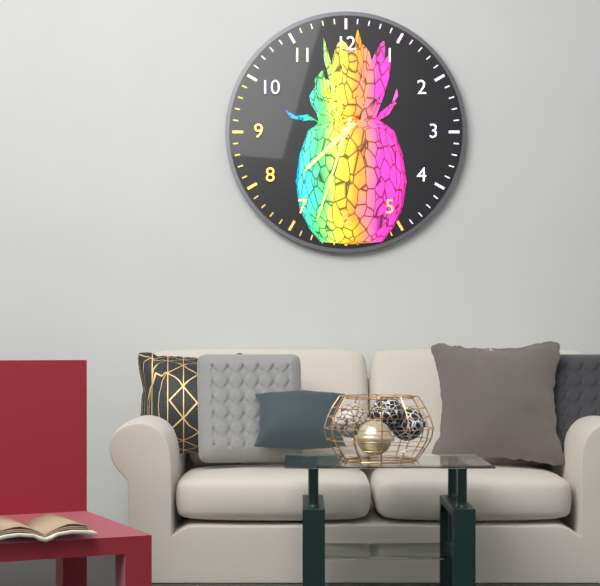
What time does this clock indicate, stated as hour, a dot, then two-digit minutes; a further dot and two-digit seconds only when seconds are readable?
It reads 7.33
